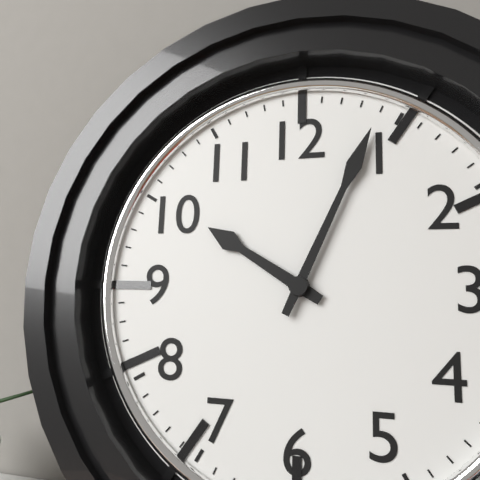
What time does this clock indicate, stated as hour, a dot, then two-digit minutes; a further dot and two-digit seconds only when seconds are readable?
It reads 10.04
